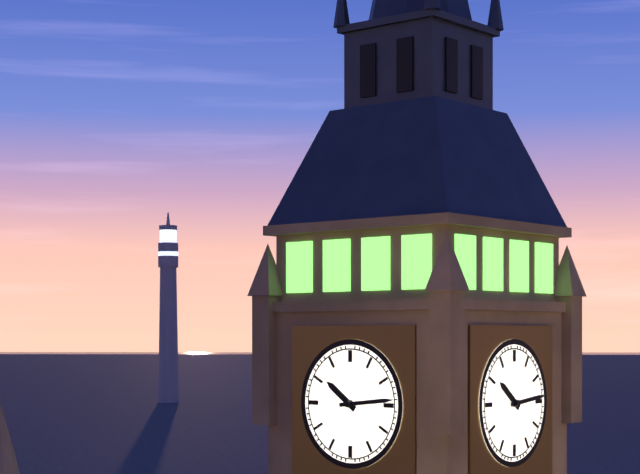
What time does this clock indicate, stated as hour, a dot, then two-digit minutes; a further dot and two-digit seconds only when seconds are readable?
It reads 10.14
